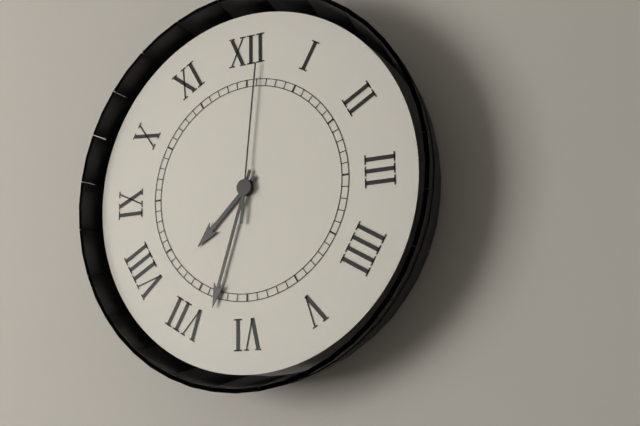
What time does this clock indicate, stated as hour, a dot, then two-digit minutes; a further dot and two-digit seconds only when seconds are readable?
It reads 7.33.01
